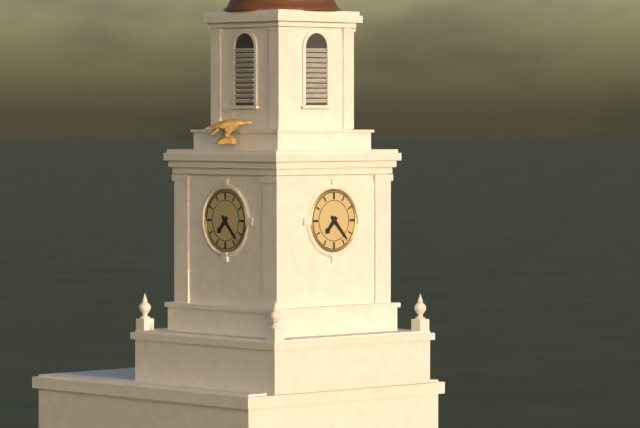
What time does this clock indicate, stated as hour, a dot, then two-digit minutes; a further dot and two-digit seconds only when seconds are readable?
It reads 7.23
